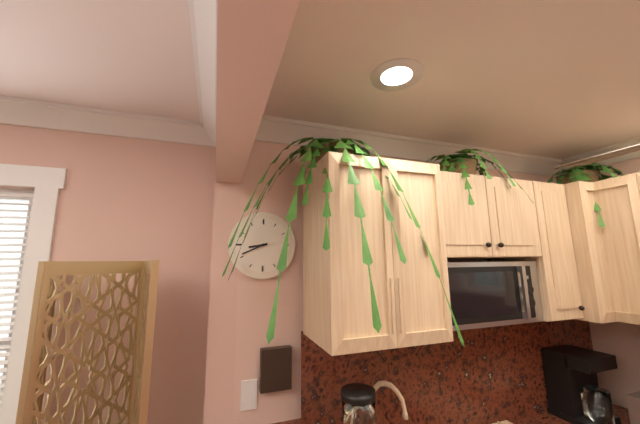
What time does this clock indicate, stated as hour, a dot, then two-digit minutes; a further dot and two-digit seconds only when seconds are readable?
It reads 8.41
